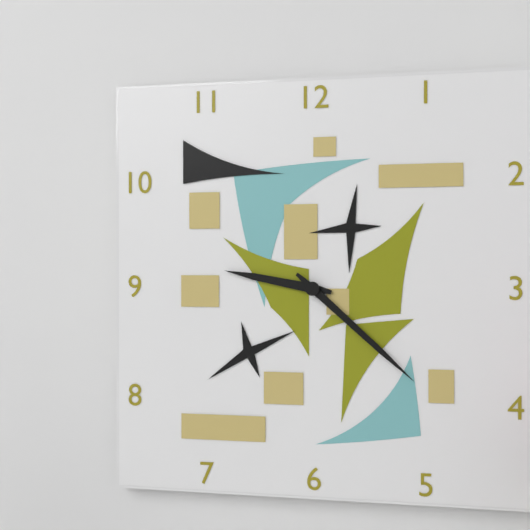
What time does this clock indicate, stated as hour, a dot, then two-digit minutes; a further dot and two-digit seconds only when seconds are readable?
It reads 9.22
